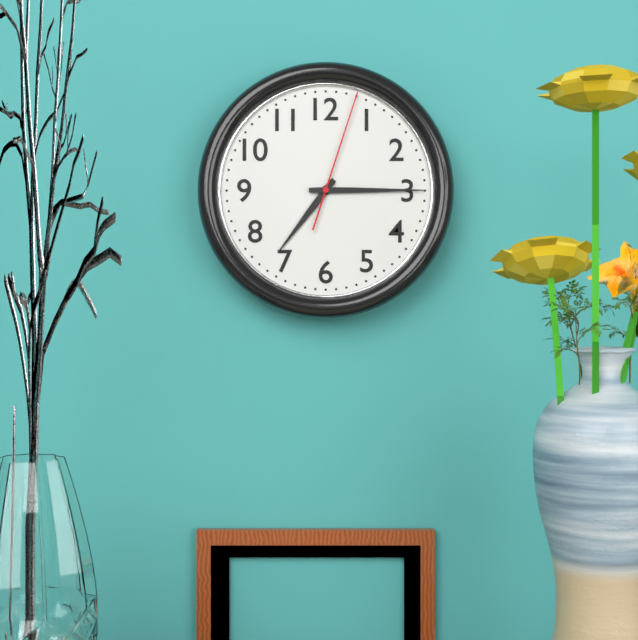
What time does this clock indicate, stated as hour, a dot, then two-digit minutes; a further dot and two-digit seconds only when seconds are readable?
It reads 7.15.03
